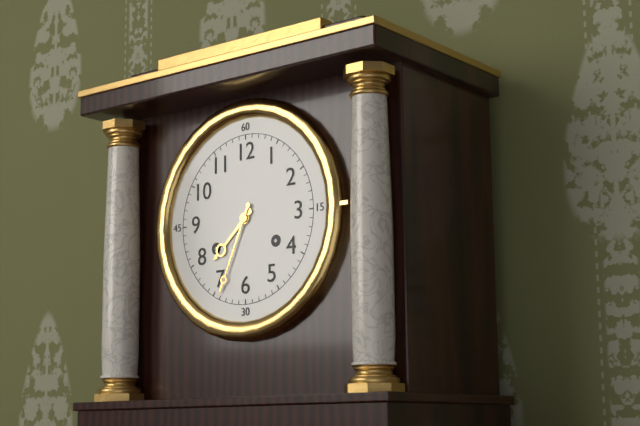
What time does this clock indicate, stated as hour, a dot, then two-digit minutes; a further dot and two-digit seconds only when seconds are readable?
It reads 7.34
